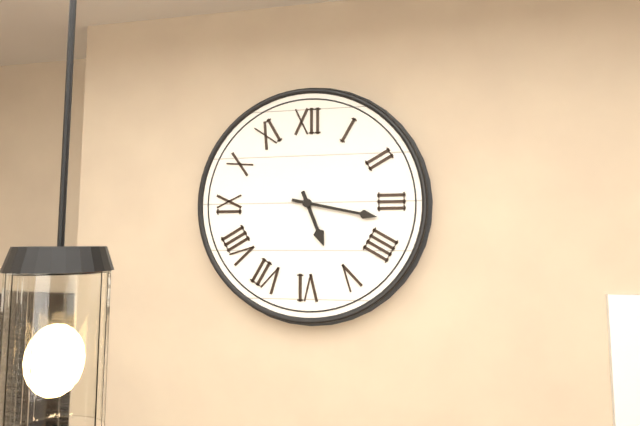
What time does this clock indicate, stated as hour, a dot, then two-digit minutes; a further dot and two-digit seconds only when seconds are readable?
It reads 5.17
